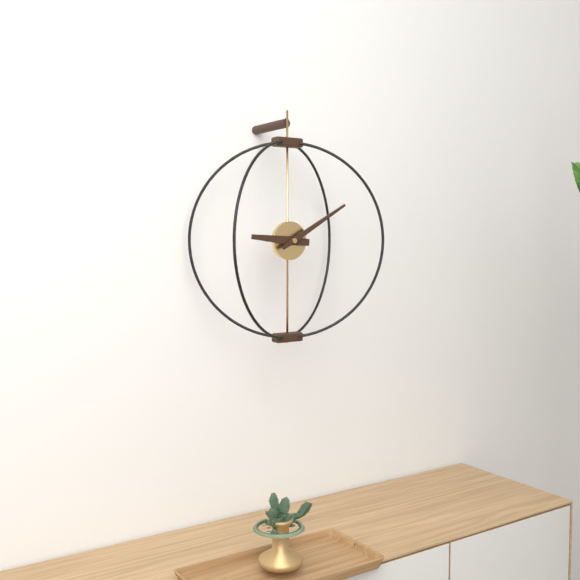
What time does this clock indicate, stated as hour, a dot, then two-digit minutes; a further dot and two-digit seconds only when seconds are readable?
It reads 9.10
